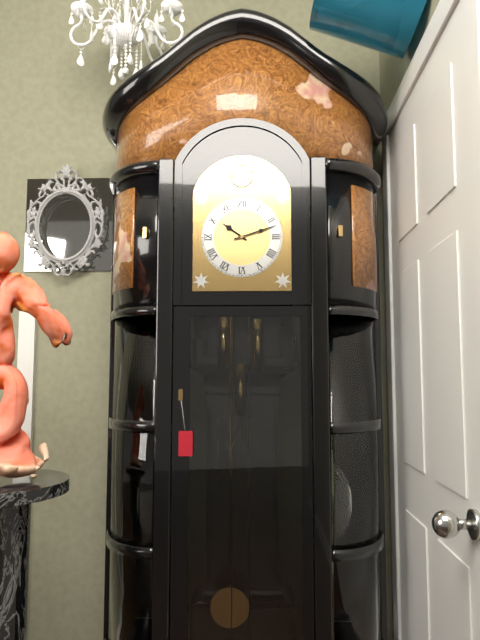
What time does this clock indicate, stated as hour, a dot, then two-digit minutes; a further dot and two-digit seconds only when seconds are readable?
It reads 10.12
